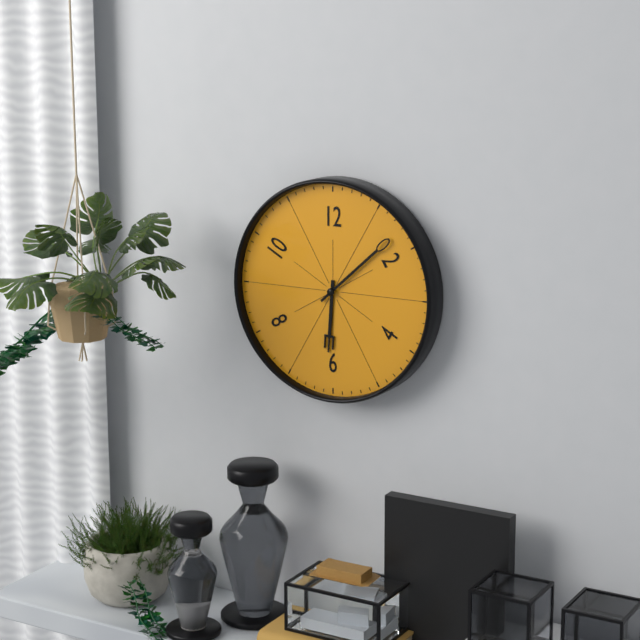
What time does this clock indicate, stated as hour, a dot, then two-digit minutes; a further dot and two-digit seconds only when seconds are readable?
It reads 6.08
